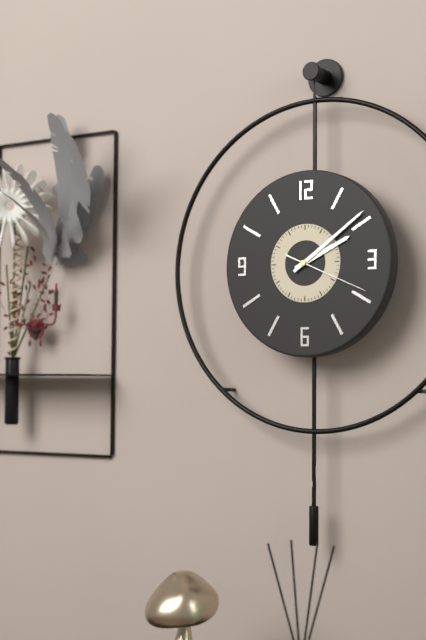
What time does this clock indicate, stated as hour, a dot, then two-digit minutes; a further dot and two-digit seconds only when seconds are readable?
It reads 2.09.19
